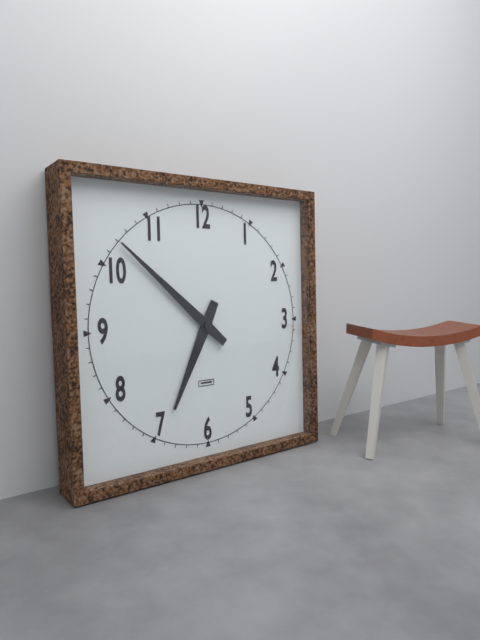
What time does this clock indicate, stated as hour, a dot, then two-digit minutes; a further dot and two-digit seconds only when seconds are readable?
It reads 6.52
